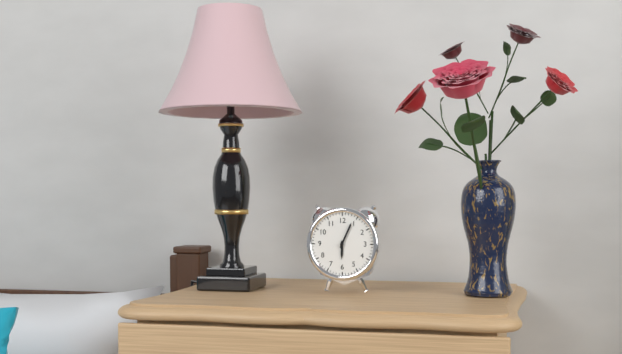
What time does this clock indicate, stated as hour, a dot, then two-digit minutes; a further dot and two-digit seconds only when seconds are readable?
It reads 6.04
